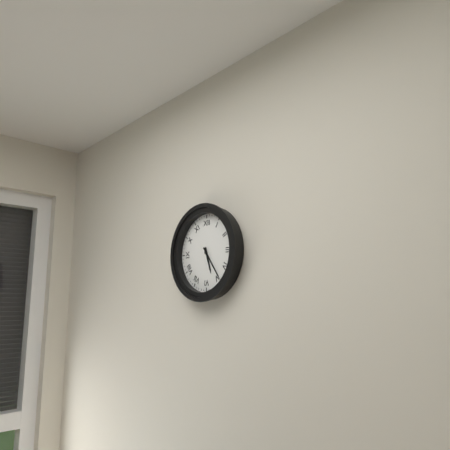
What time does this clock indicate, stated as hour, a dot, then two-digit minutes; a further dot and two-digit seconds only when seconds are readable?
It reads 5.24
